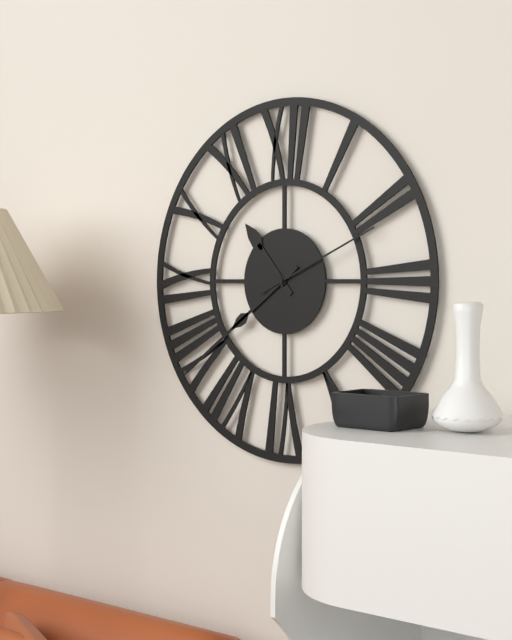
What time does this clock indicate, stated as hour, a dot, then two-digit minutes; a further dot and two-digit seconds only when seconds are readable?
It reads 10.39.11
